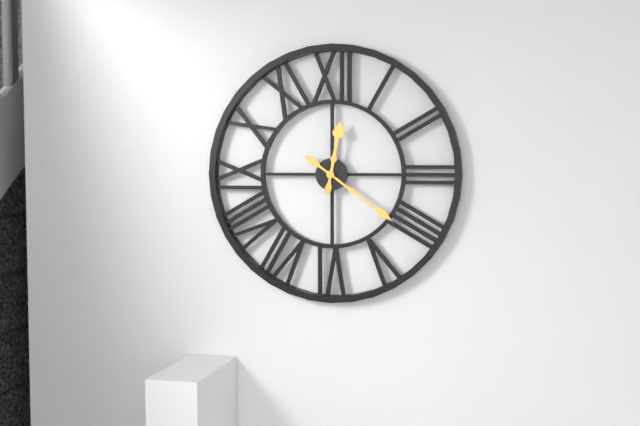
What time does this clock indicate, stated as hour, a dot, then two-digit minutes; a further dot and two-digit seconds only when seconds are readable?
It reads 12.21
